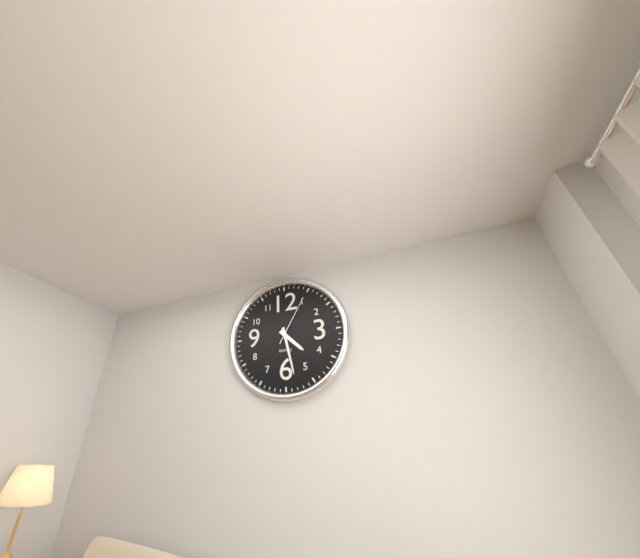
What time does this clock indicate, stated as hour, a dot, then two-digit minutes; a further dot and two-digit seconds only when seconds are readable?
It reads 4.28.05
